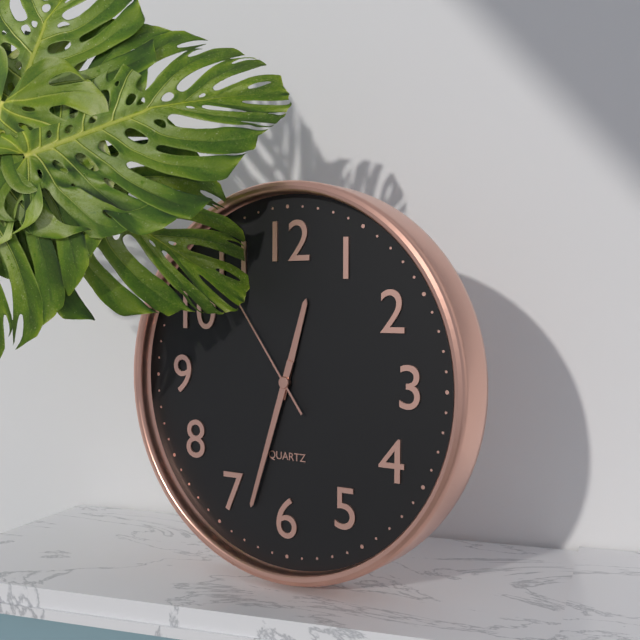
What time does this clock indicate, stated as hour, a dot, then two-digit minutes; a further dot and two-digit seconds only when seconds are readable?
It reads 12.33.54
